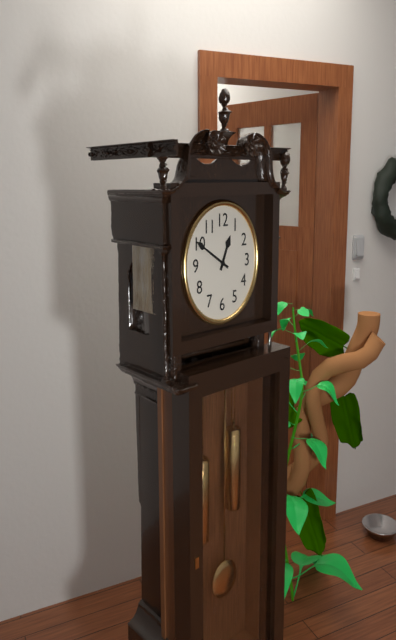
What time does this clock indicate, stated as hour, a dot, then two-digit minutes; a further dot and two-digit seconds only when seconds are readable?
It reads 12.50
